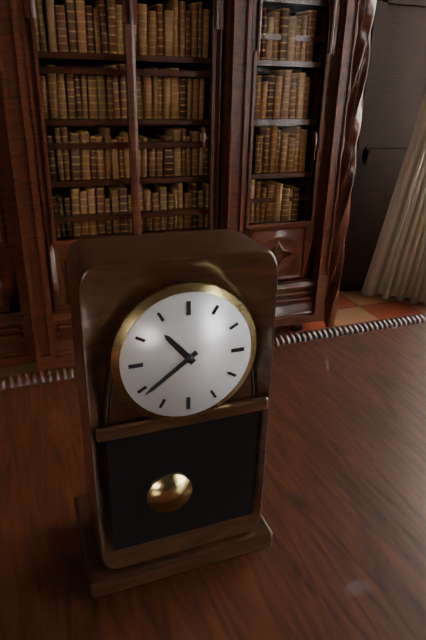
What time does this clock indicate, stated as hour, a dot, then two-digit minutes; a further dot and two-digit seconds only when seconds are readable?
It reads 10.39
